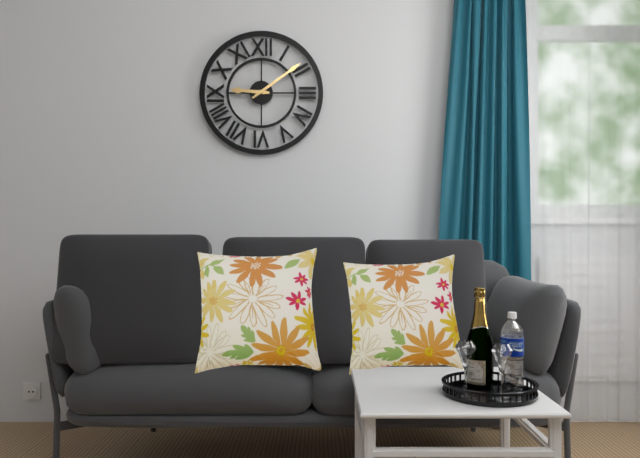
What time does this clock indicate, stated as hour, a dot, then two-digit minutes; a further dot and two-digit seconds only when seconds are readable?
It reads 9.09
